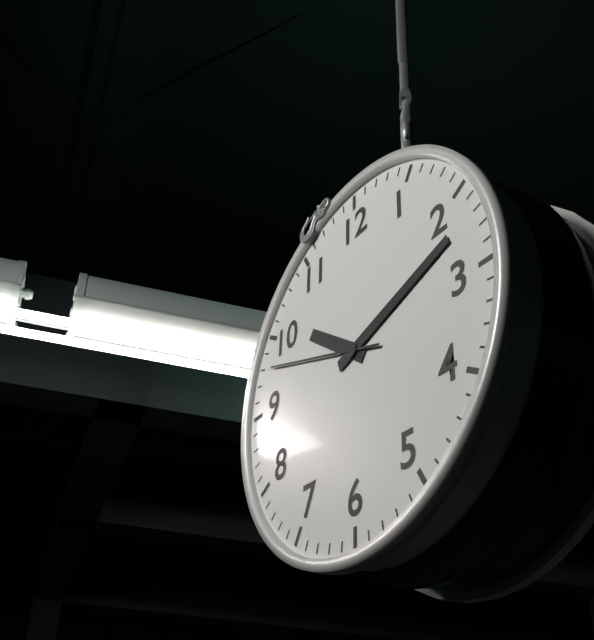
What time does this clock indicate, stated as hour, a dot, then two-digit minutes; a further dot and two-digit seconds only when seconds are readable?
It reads 10.12.48
